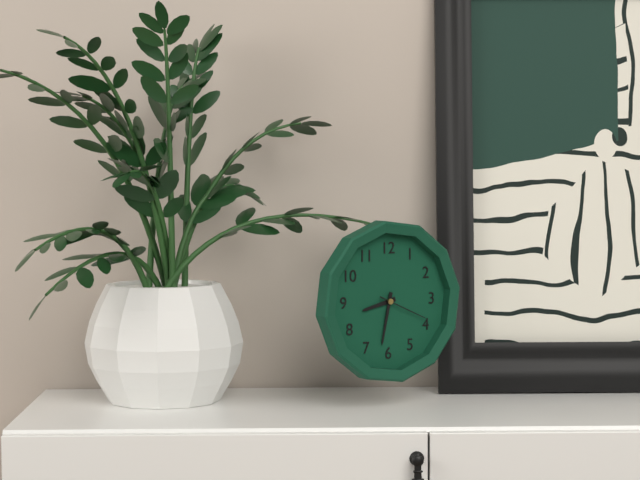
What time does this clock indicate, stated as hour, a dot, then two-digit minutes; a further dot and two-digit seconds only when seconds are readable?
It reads 8.32.19
